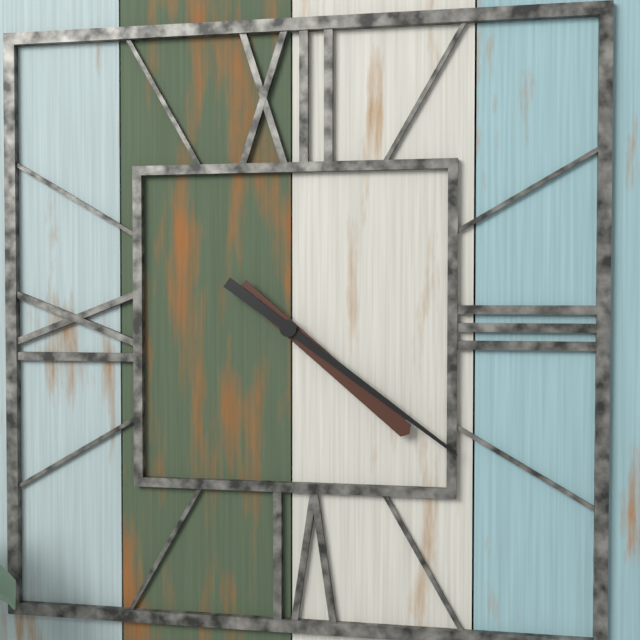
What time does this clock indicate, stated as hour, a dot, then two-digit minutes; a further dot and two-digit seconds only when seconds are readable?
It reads 4.21
